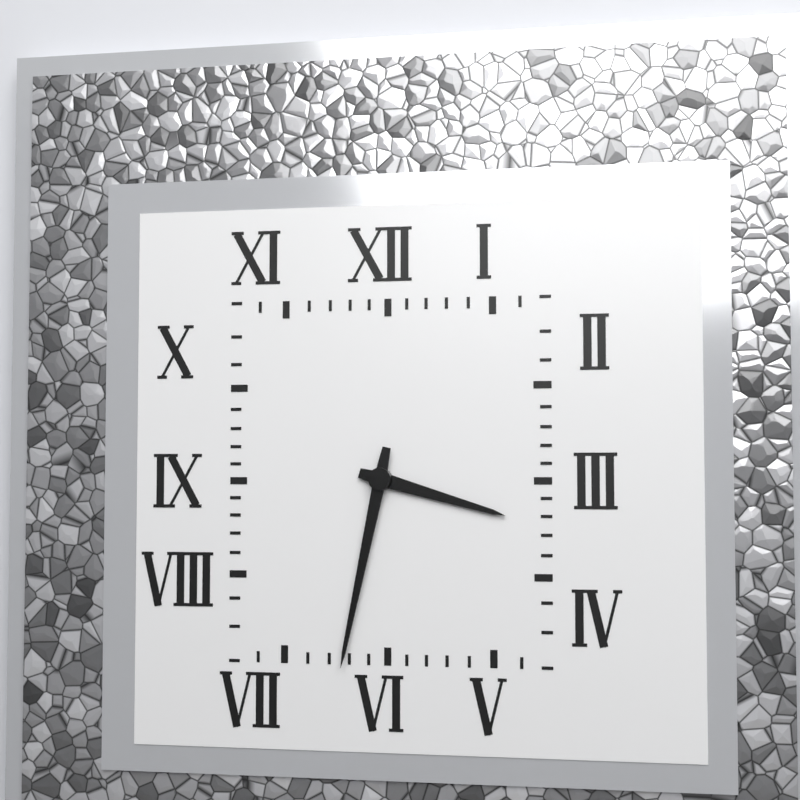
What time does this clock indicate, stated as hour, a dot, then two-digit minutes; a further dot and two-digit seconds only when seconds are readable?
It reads 3.32
